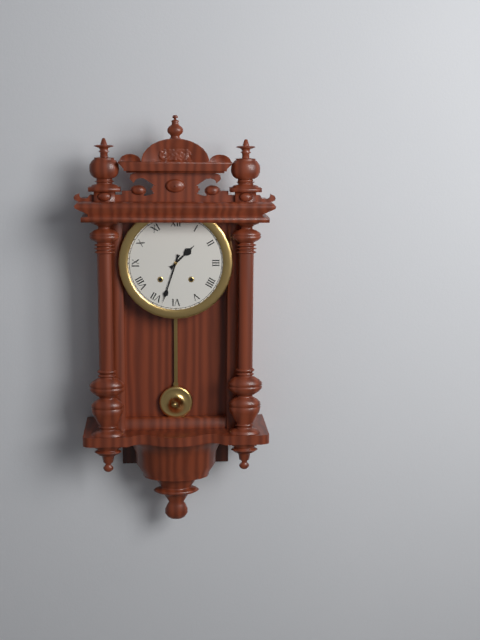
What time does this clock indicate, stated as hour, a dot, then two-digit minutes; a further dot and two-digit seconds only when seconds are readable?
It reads 1.33
